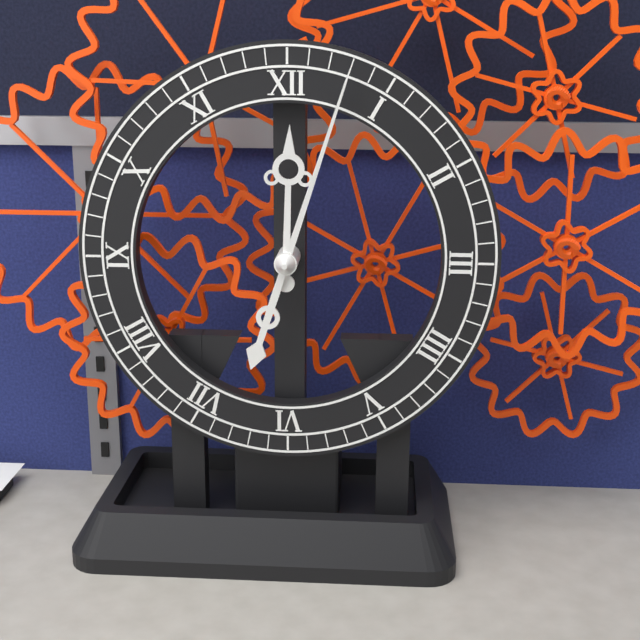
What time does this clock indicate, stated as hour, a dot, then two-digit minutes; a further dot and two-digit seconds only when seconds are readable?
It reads 12.03
